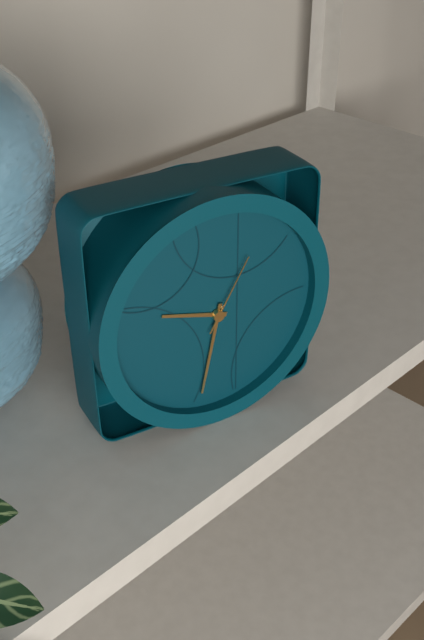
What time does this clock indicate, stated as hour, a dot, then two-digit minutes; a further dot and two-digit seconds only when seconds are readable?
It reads 9.32.05
